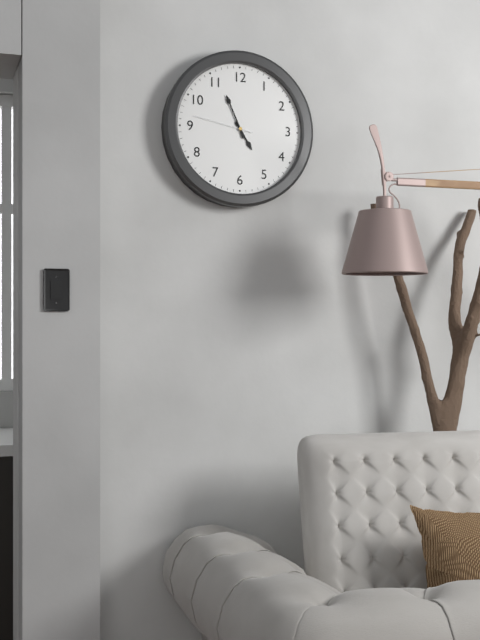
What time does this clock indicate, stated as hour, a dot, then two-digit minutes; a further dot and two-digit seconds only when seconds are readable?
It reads 4.56.47
